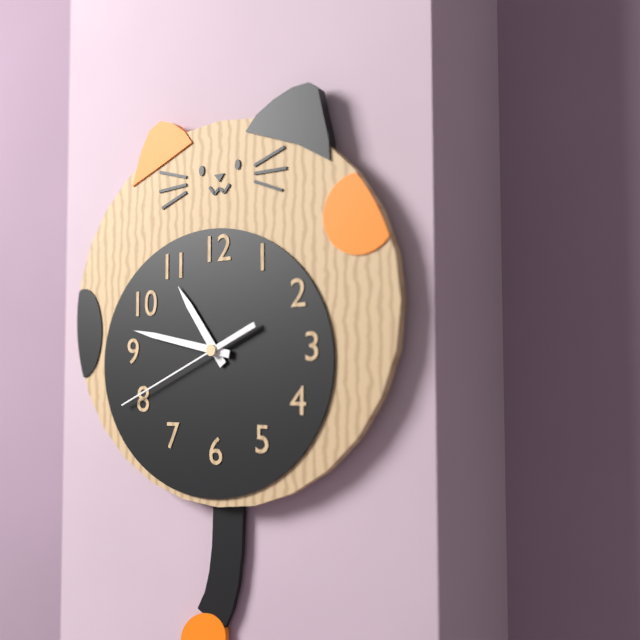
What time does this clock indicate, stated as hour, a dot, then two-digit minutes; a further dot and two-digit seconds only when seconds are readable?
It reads 10.47.41
